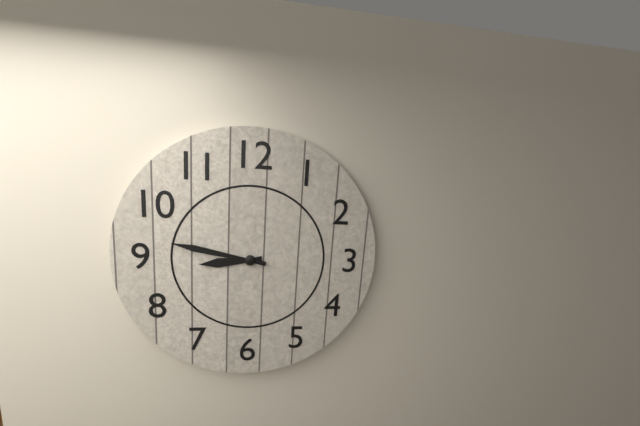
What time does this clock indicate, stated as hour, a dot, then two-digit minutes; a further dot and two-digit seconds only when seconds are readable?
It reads 8.47
